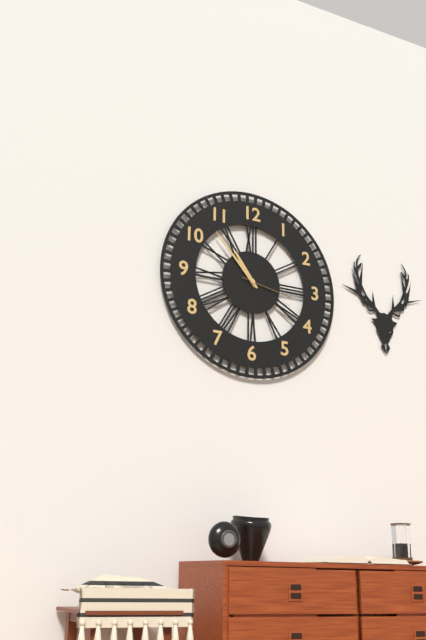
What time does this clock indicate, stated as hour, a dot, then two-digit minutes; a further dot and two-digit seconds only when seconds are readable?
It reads 10.53.17
